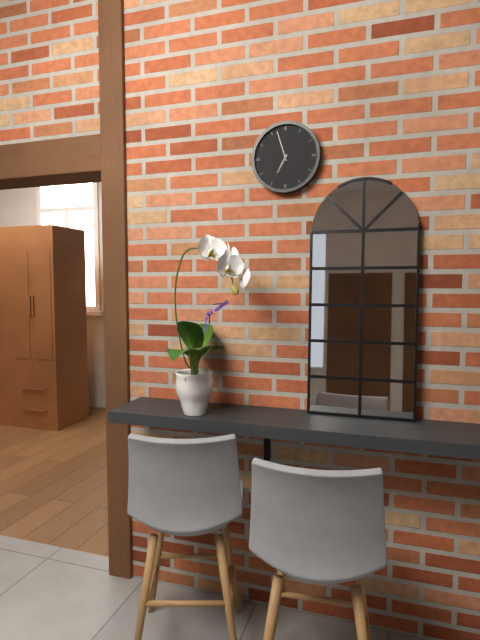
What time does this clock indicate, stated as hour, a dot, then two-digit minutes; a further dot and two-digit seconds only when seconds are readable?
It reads 6.57
